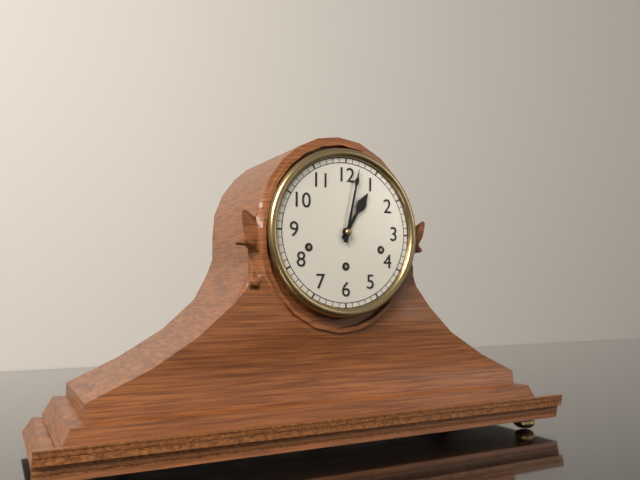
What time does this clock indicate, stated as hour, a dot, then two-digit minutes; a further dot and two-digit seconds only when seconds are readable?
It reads 1.02
